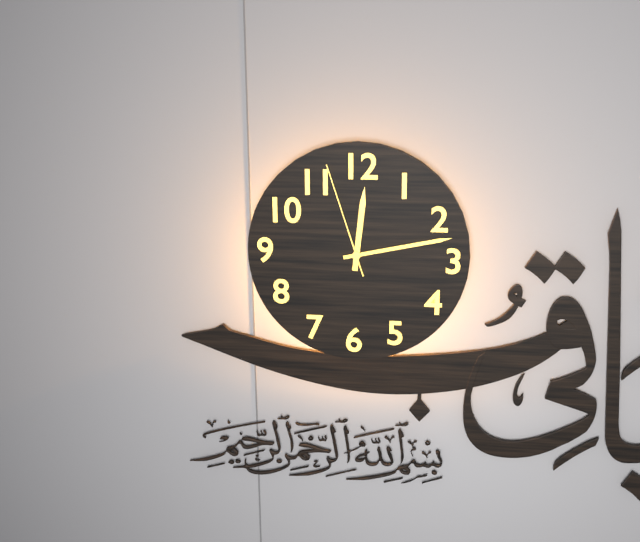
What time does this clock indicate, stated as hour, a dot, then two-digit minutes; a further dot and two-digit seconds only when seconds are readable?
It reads 12.13.57
